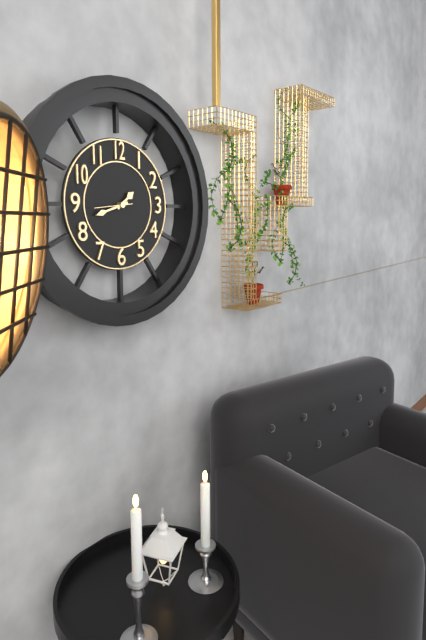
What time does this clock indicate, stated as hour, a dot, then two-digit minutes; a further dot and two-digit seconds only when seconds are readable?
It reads 1.42
